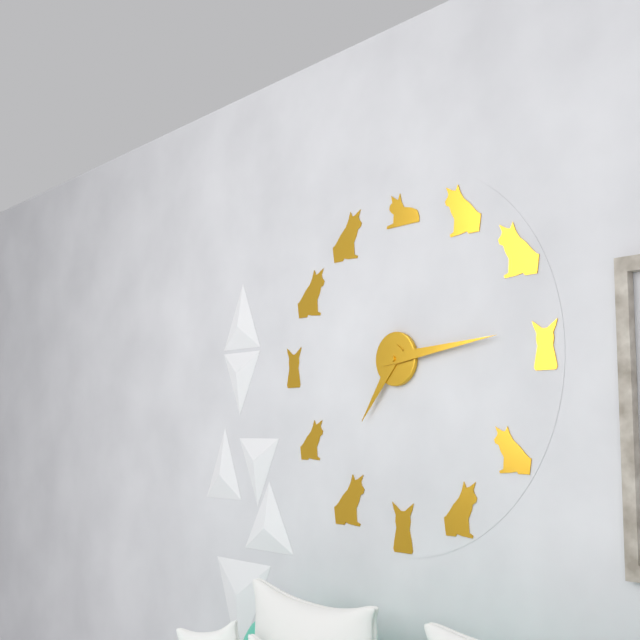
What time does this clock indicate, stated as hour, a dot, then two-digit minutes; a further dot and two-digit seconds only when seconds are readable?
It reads 7.14
